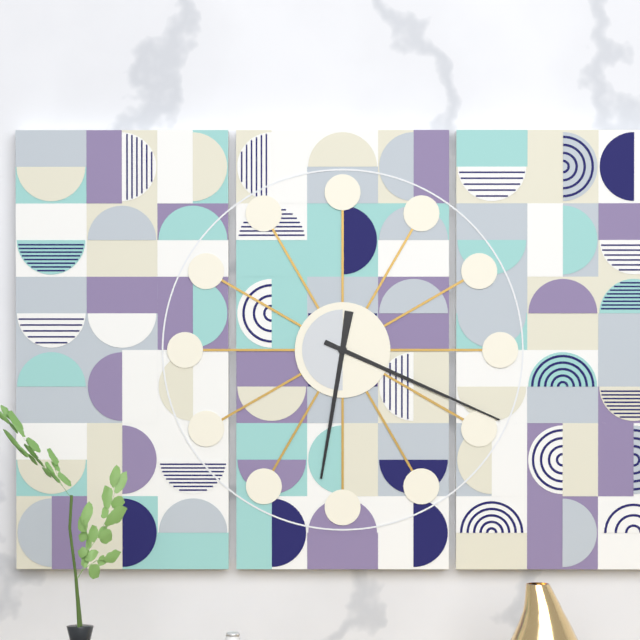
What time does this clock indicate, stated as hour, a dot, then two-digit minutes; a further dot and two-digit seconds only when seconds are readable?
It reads 6.19
